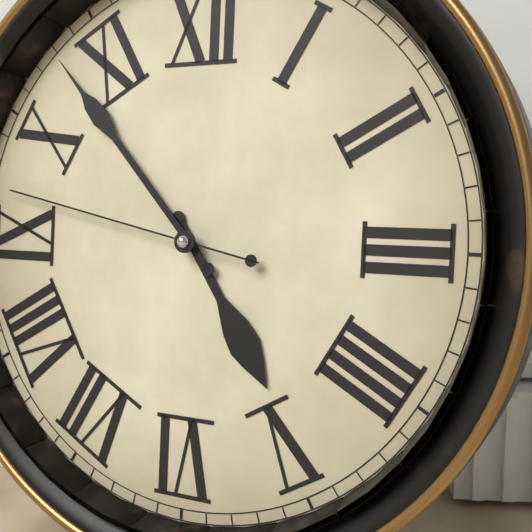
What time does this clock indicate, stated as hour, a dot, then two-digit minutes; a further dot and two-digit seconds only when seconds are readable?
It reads 4.53.47
